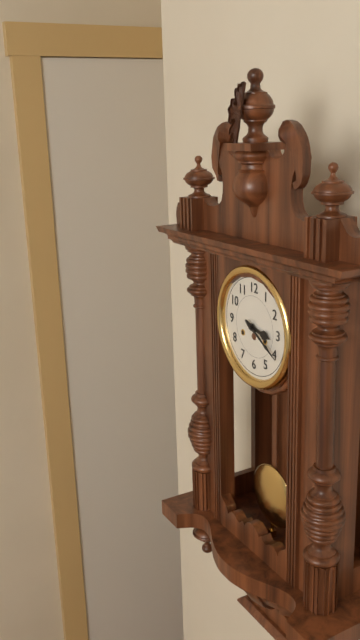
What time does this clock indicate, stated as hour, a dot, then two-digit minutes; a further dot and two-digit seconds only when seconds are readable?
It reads 3.20
